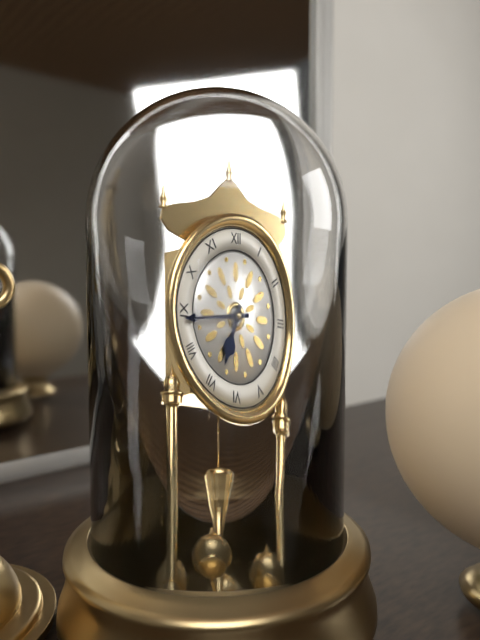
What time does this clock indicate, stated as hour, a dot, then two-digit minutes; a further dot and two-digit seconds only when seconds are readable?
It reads 6.44
